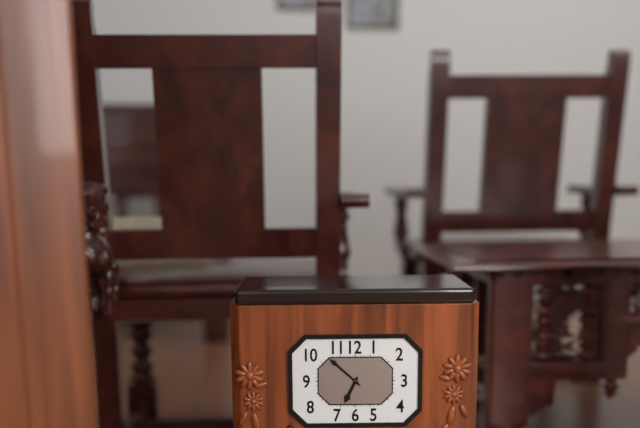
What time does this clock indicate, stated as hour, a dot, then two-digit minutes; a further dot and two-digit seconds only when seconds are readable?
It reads 6.52
